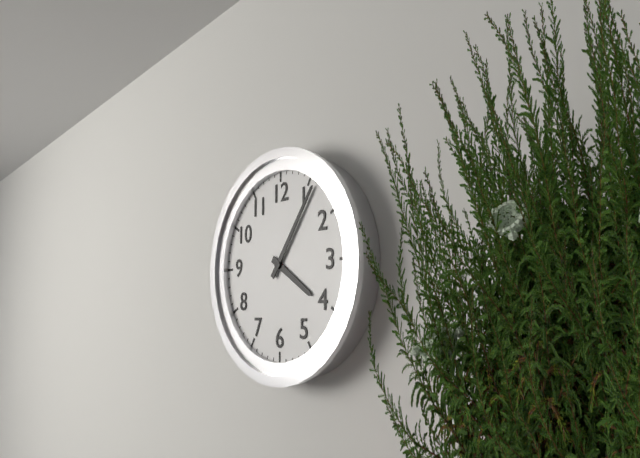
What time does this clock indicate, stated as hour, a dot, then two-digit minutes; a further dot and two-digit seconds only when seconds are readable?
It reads 4.06
